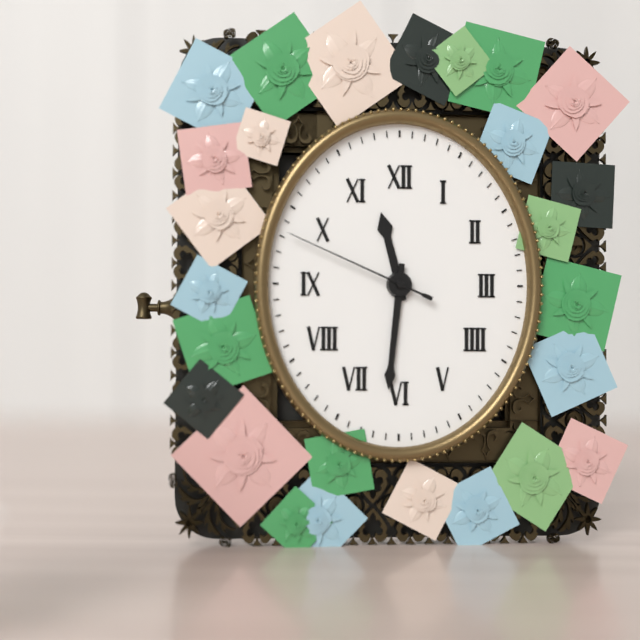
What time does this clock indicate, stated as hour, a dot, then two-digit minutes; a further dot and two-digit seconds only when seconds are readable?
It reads 11.31.49
